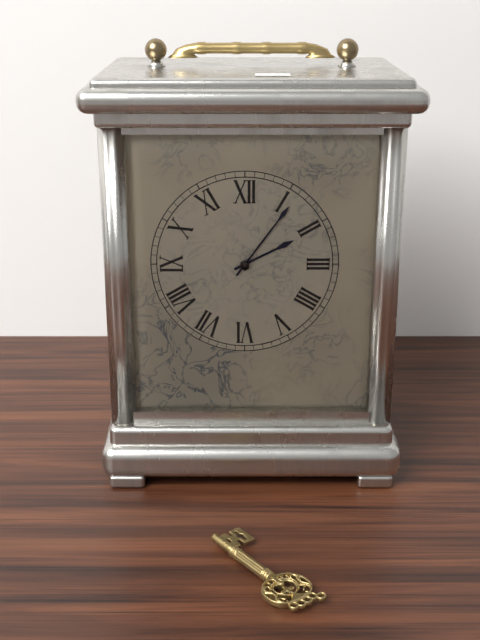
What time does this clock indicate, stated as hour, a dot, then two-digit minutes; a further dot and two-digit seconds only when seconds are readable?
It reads 2.06
